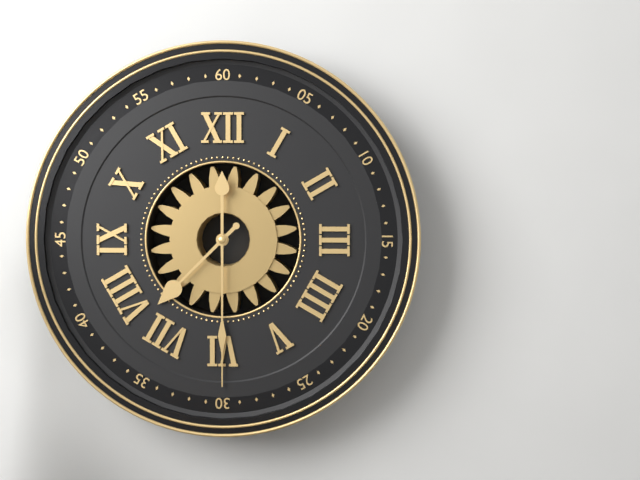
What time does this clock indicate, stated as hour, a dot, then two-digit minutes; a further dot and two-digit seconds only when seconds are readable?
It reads 7.30
